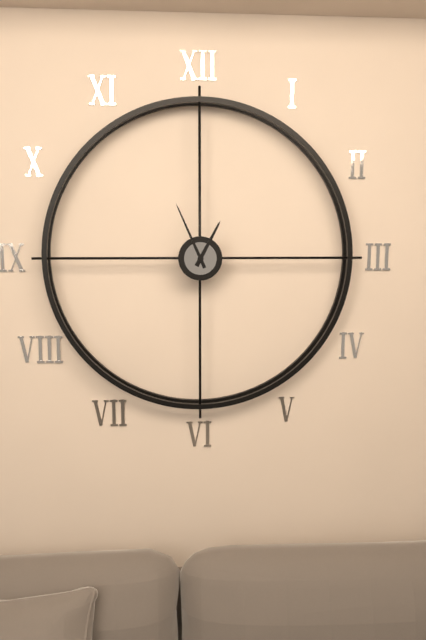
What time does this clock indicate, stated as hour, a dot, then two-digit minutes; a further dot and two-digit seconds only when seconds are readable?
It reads 12.56
